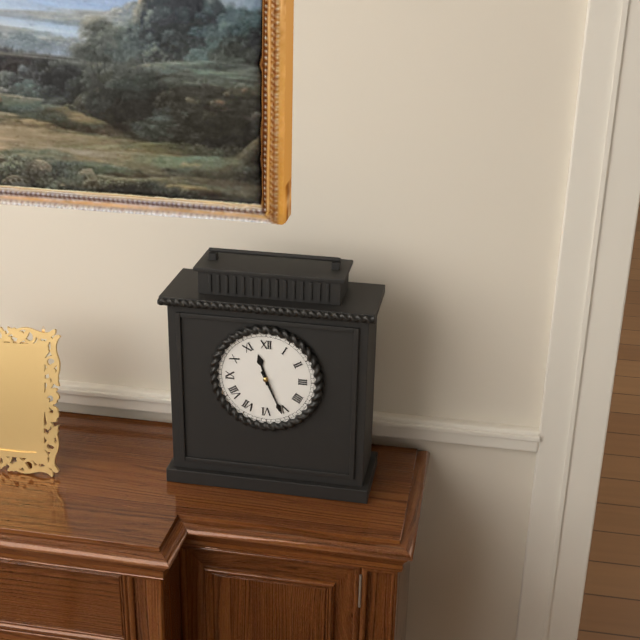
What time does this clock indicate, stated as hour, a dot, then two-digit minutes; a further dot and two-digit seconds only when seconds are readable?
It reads 11.26
